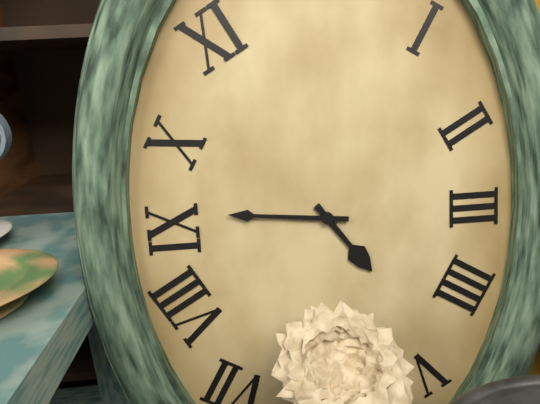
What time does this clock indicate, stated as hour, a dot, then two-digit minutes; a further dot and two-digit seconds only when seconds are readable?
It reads 4.46
